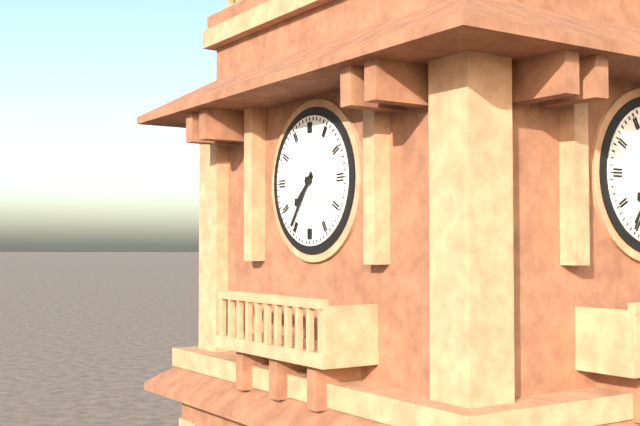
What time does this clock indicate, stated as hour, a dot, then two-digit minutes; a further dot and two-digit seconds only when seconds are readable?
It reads 7.36
